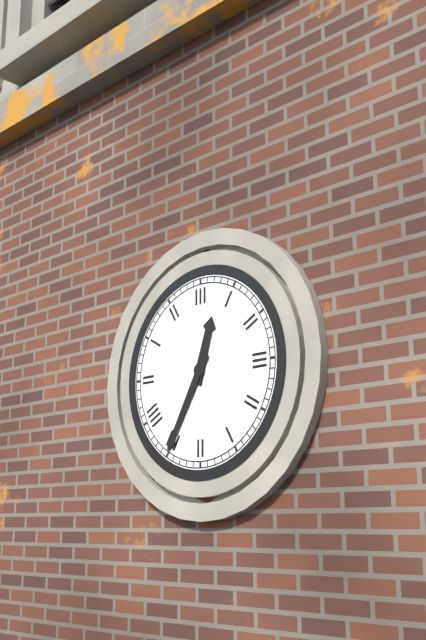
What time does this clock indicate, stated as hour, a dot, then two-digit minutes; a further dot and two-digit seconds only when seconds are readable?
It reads 12.35
